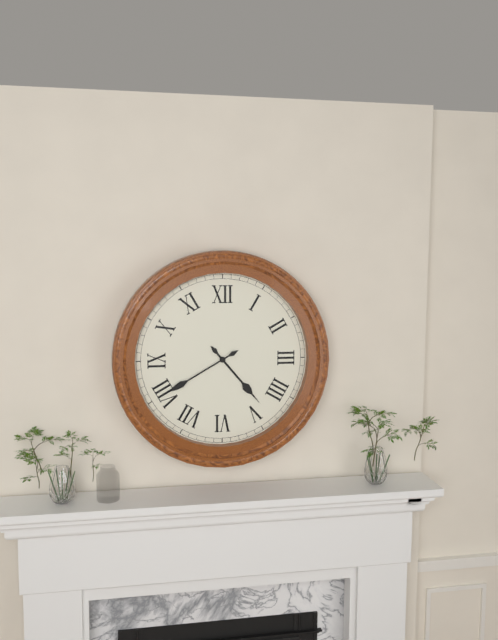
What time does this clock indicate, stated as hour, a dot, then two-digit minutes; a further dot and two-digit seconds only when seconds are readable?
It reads 4.40
